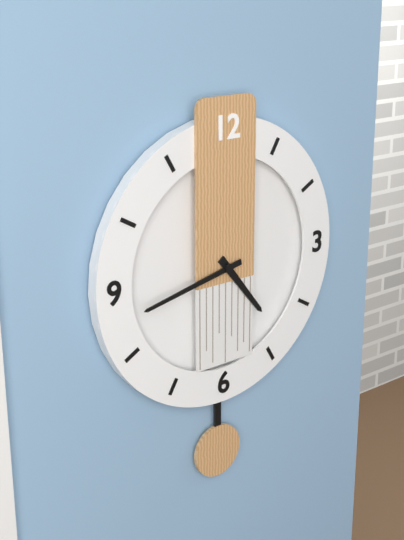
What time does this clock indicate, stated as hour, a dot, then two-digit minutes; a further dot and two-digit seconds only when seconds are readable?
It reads 4.43
